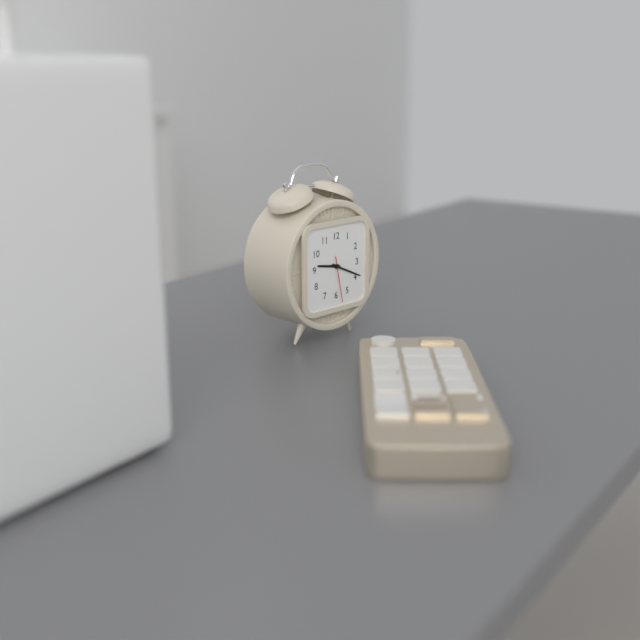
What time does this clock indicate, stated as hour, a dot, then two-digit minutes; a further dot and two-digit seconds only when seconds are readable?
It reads 9.19
